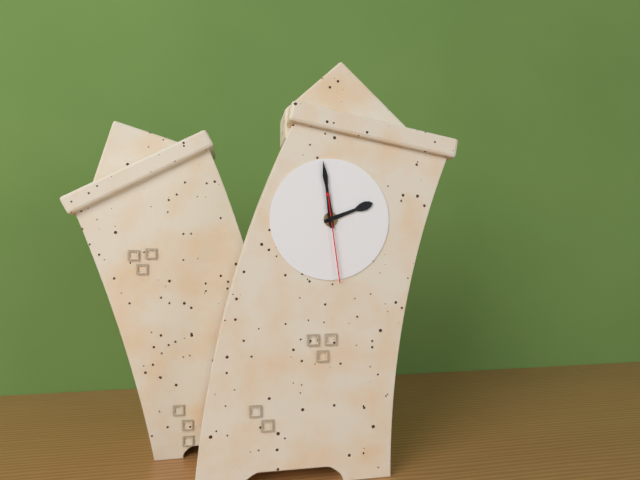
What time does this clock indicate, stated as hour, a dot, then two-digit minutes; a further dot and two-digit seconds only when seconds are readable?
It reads 1.57.27
